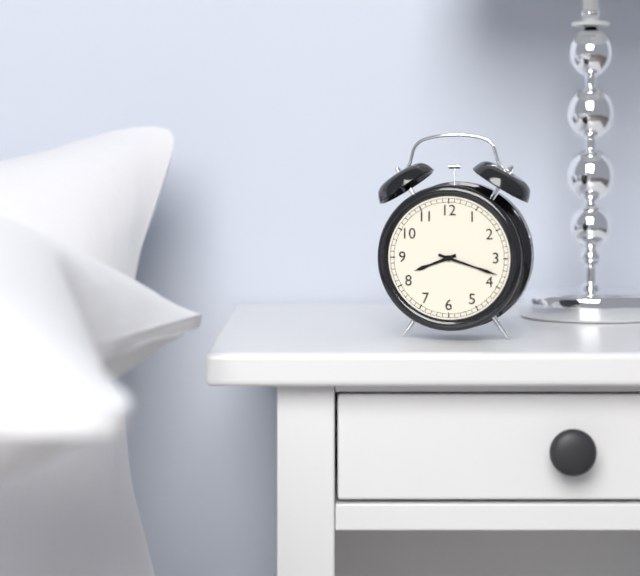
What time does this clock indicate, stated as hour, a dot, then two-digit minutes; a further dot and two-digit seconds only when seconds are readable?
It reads 8.18
